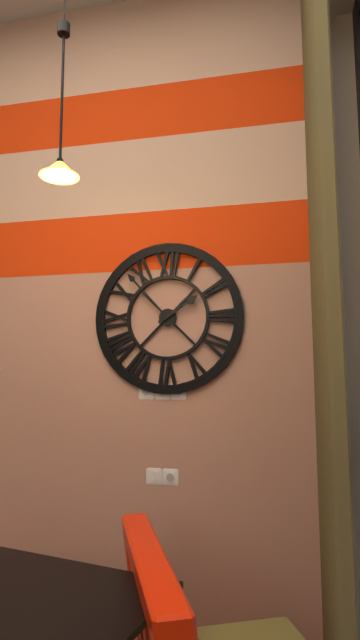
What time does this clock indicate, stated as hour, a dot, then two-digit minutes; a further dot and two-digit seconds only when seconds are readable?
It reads 1.53
